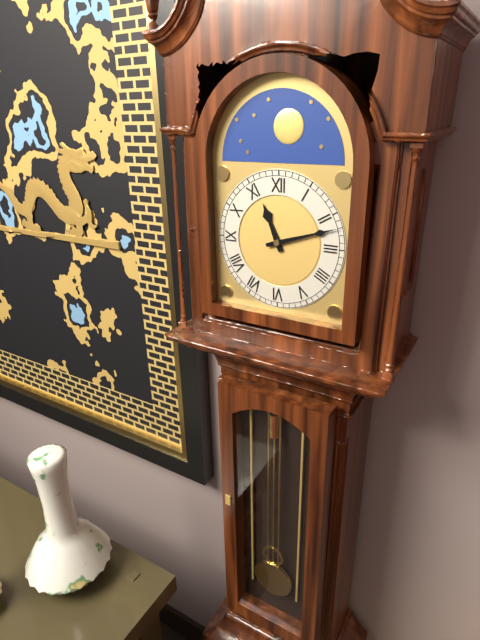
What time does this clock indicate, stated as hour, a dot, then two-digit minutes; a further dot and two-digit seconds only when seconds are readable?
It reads 11.12
